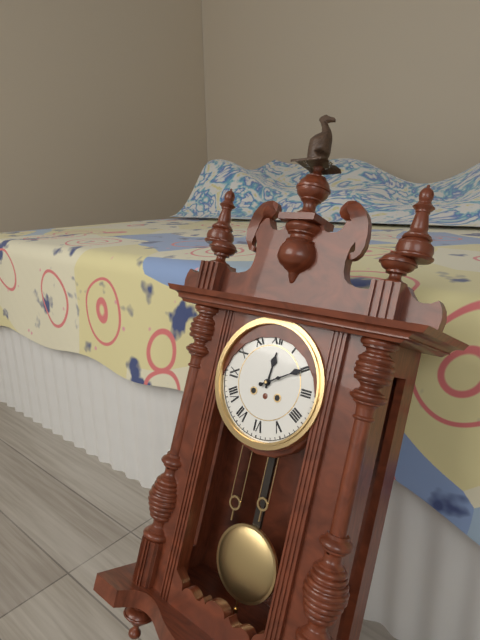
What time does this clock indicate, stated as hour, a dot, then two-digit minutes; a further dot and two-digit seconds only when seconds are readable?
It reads 12.10
